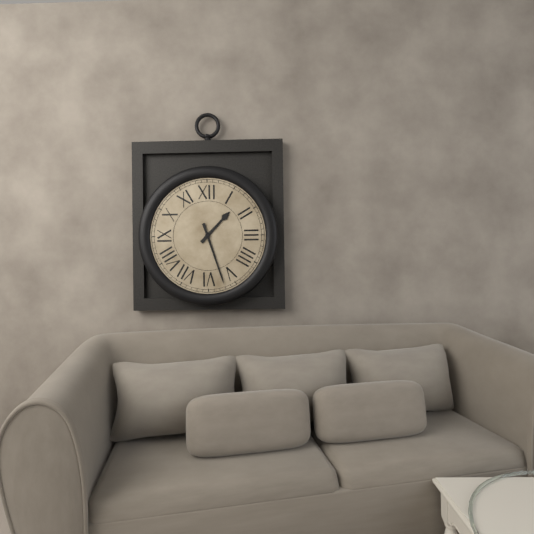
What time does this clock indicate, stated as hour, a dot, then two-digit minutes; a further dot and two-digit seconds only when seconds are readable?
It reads 1.27
